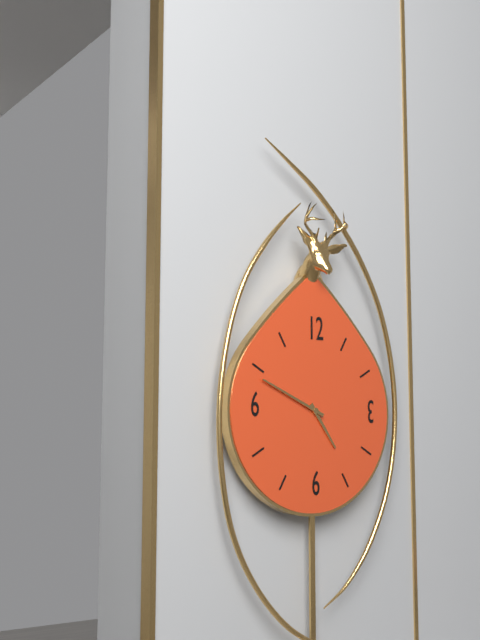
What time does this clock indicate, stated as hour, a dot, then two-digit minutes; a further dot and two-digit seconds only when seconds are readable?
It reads 4.49
